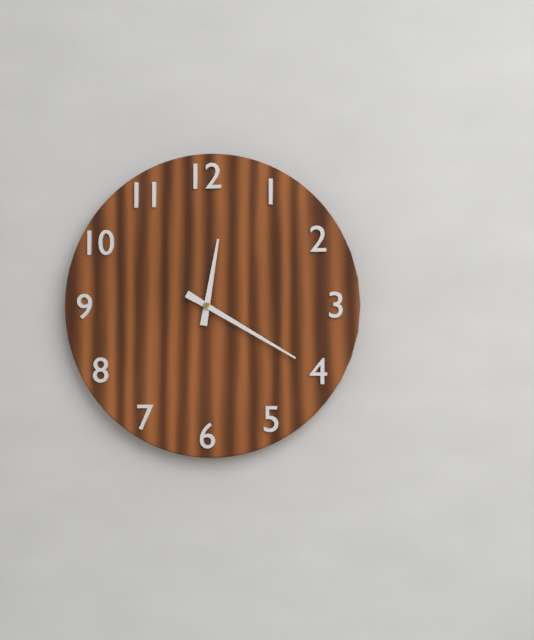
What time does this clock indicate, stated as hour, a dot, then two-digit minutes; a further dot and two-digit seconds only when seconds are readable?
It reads 12.20
